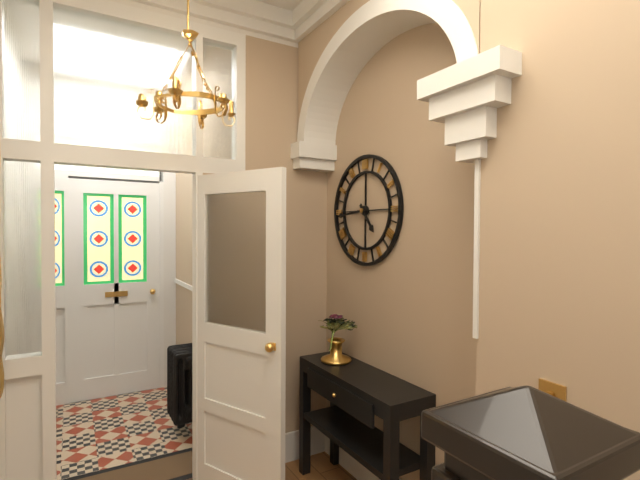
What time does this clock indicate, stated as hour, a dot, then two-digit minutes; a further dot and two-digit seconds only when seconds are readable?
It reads 4.44
